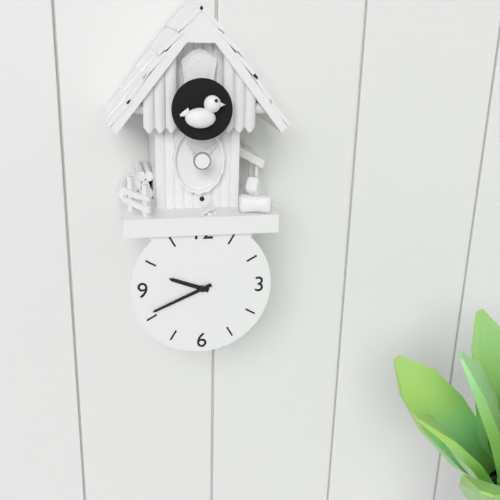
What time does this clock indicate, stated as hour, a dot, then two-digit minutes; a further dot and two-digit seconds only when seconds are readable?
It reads 9.41
